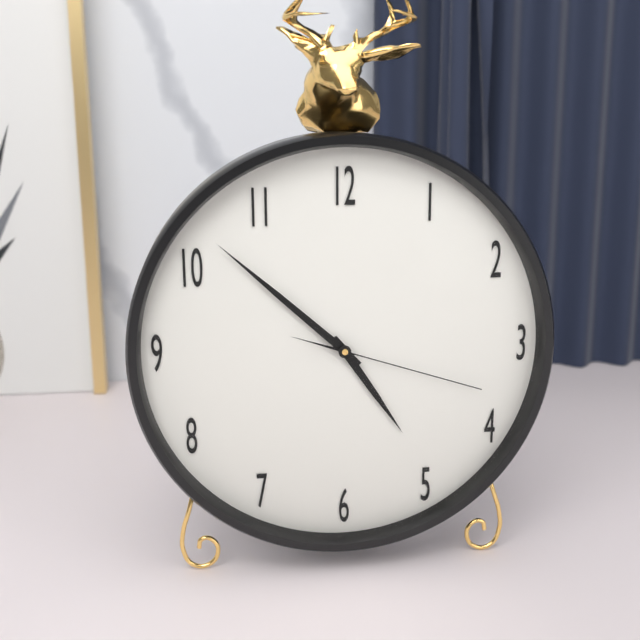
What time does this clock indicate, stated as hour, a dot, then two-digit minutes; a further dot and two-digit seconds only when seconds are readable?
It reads 4.52.18
